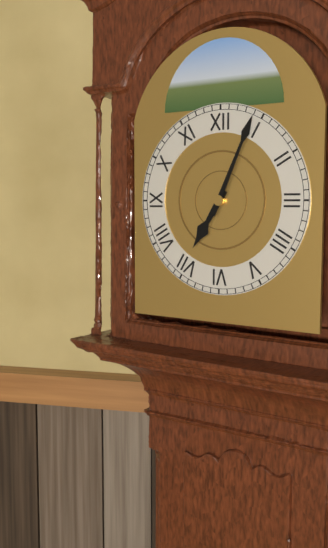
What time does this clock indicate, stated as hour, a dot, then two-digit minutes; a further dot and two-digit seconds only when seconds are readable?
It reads 7.04
